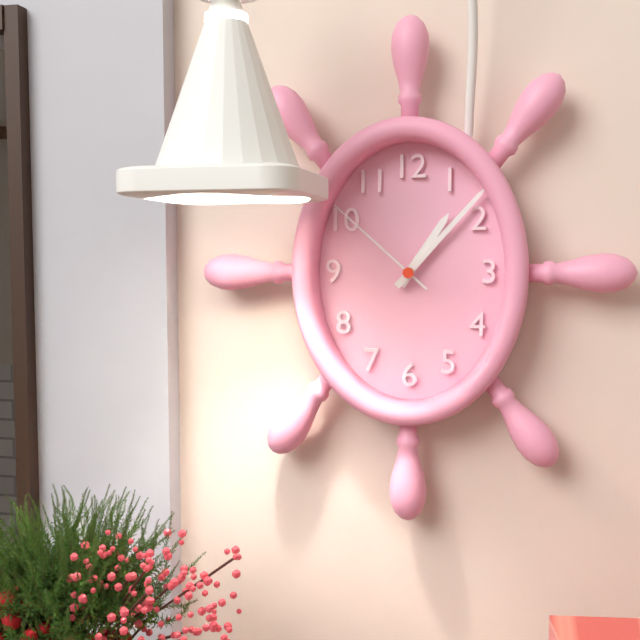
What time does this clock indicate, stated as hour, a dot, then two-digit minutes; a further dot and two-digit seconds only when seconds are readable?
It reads 1.07.52
